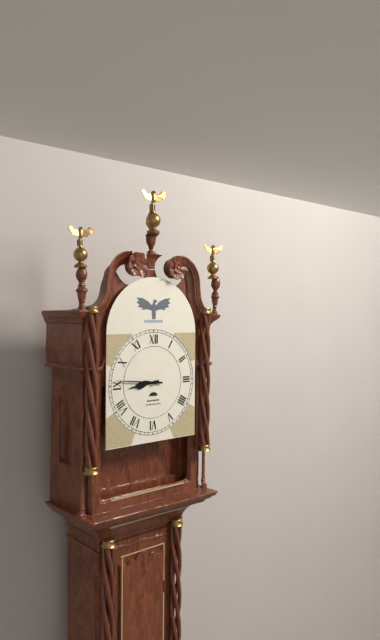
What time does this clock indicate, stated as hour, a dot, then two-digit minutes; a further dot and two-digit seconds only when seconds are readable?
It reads 8.46
